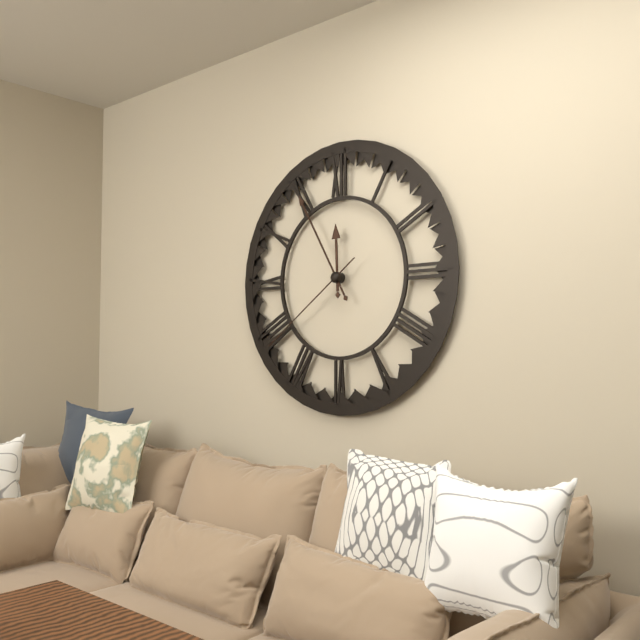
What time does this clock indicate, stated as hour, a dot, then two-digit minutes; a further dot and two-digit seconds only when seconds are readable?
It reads 11.55.39
